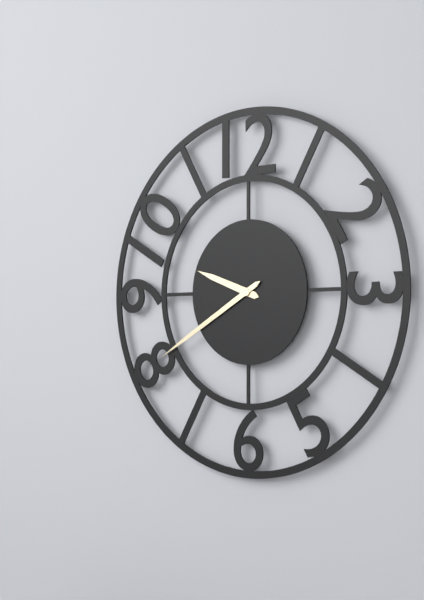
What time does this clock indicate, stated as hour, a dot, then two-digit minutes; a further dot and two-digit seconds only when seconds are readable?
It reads 9.40
